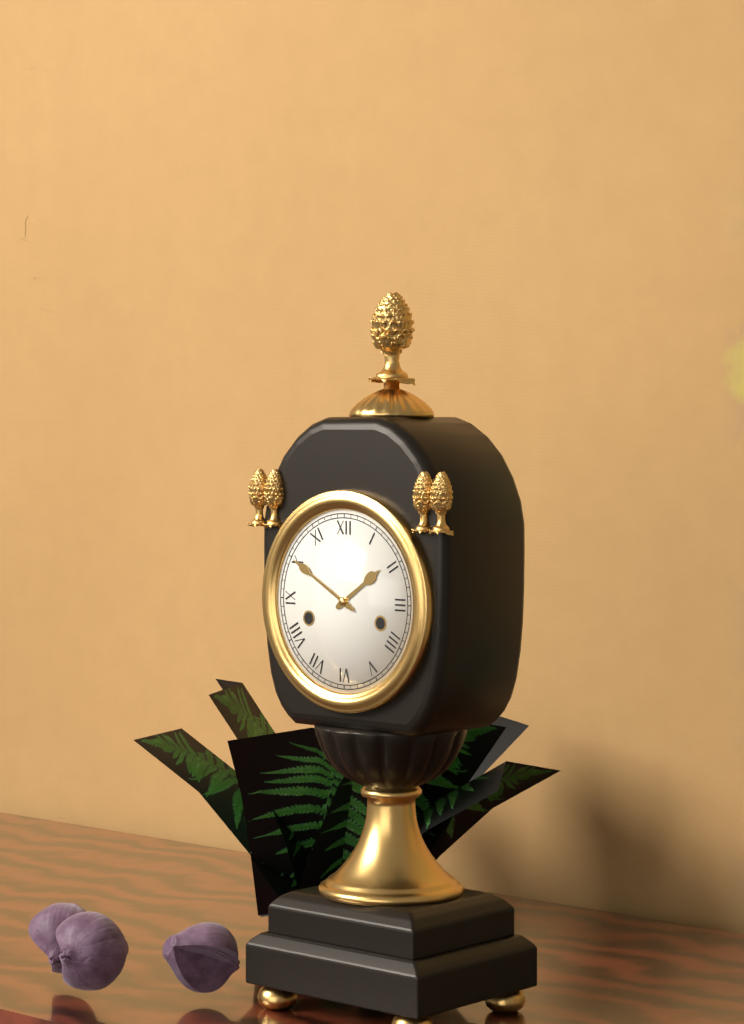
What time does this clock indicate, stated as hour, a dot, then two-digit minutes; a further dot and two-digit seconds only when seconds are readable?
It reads 1.50
